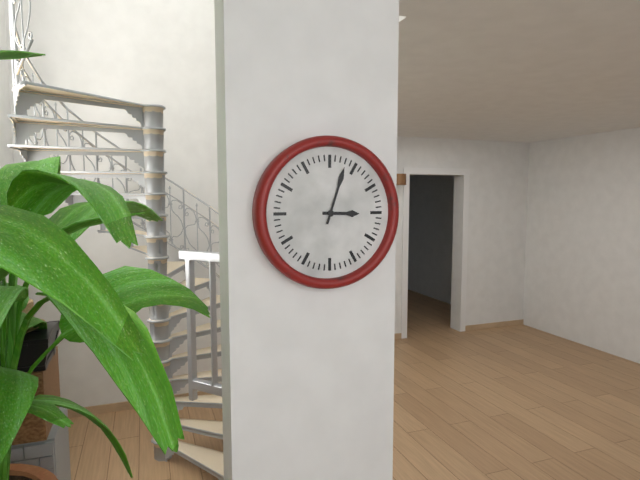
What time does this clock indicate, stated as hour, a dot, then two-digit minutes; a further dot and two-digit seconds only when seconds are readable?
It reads 3.03
